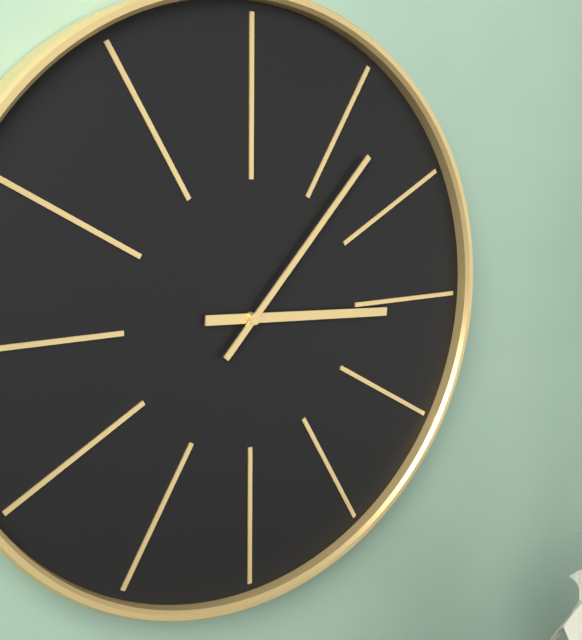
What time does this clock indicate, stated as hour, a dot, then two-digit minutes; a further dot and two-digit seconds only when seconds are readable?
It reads 3.07
